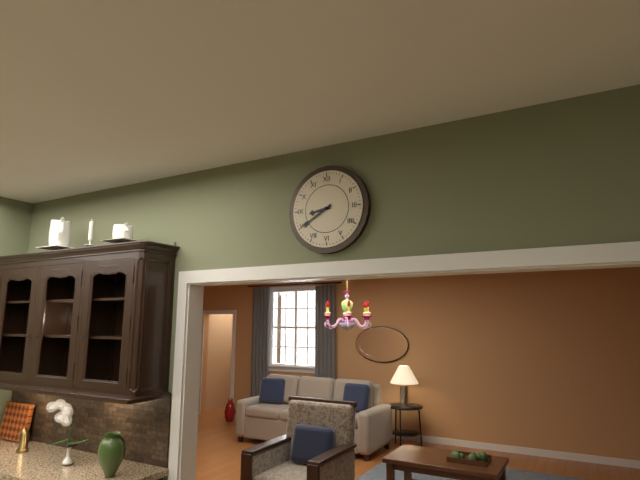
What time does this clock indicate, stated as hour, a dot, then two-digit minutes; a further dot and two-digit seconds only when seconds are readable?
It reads 8.40
